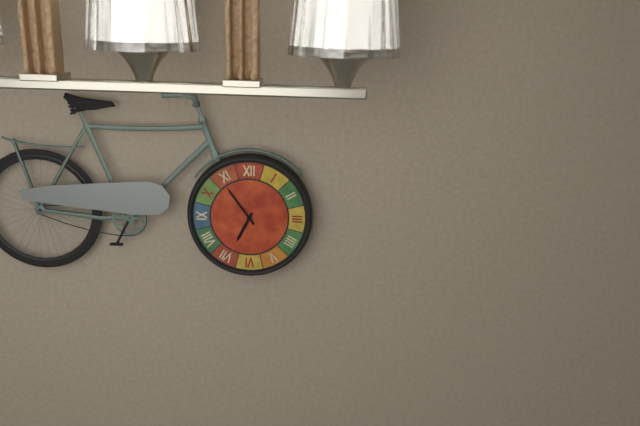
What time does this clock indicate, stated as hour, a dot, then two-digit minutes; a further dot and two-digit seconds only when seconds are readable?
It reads 6.54
